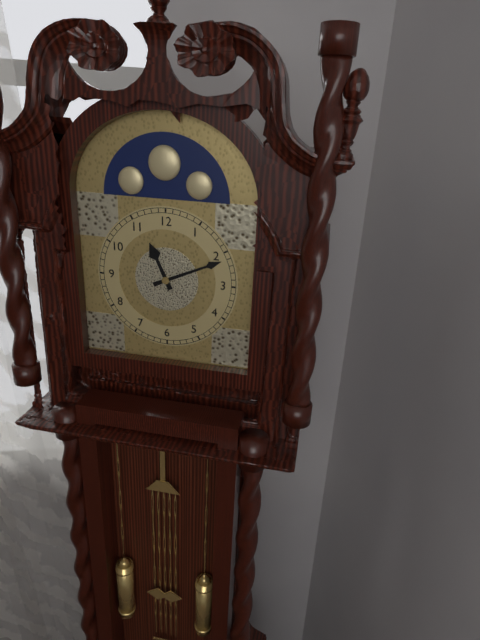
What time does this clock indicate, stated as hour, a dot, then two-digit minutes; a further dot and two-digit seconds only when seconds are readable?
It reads 11.11
